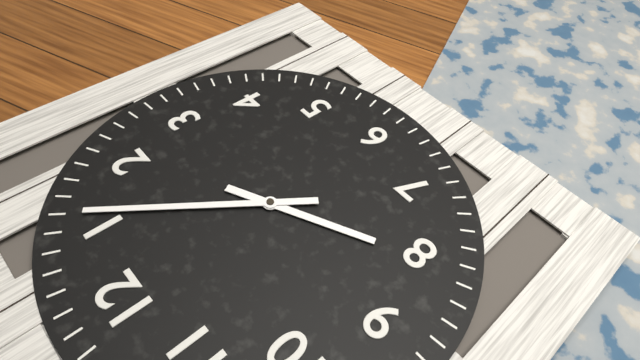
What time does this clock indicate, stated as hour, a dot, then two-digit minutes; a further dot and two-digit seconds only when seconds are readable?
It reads 8.06
